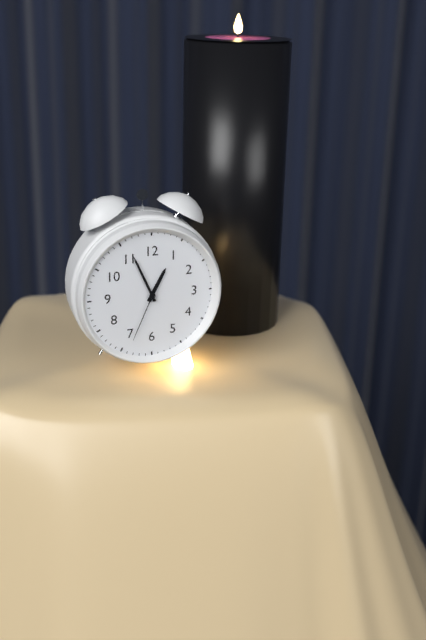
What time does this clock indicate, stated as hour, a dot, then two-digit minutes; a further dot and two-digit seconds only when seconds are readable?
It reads 12.56.34
